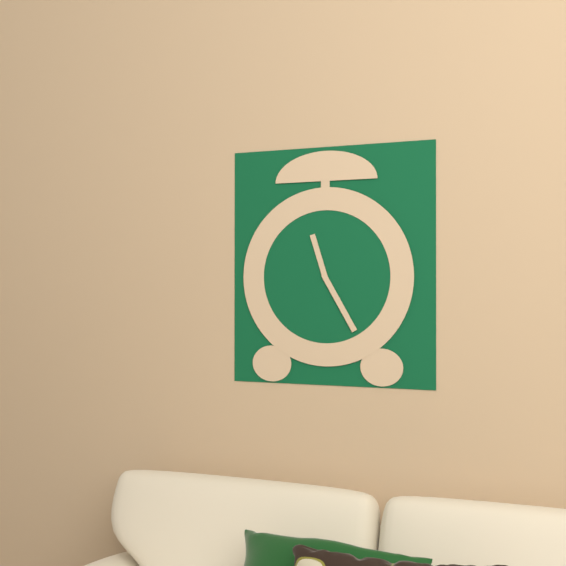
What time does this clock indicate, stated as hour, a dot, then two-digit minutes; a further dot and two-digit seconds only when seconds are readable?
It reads 11.25
